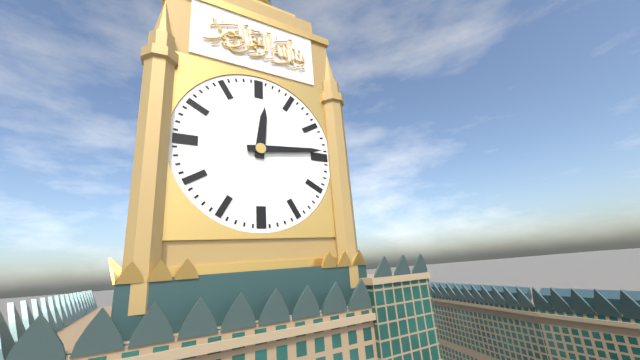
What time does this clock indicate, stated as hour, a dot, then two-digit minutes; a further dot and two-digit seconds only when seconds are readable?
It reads 12.14
